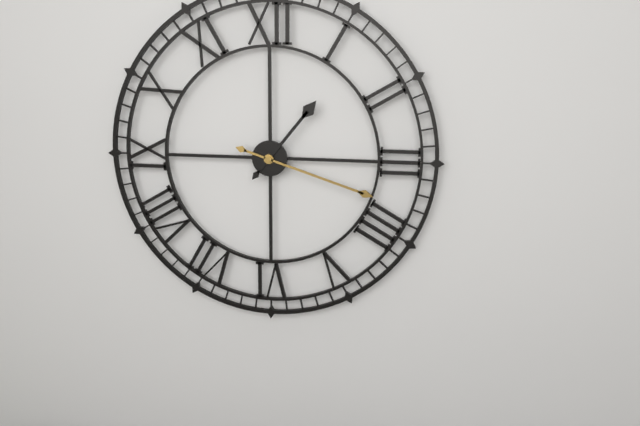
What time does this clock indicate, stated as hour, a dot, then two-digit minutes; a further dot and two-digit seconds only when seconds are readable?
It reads 1.18
